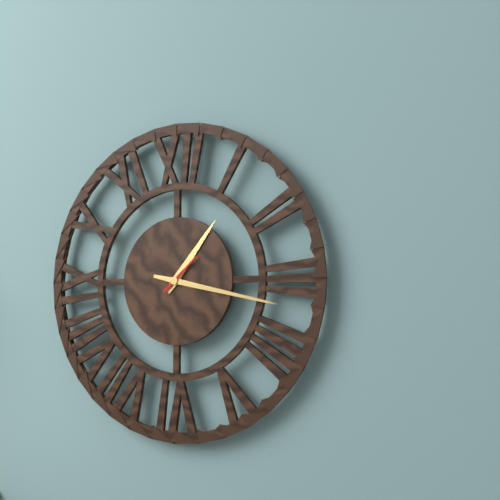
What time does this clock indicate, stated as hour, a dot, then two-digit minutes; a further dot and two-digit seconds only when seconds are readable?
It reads 1.17
